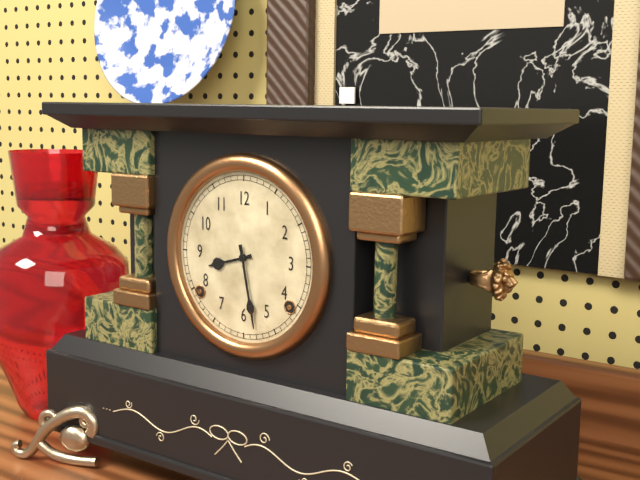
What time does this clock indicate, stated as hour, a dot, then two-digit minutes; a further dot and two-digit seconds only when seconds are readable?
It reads 8.28
